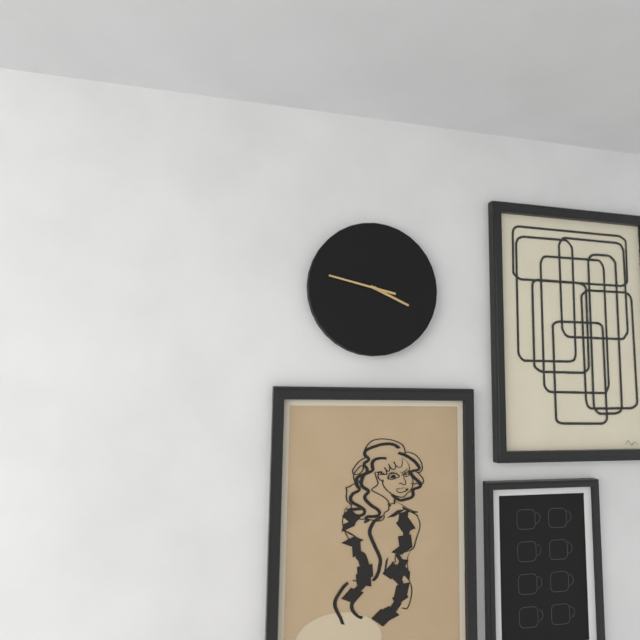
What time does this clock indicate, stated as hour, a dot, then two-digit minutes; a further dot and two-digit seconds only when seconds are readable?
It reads 3.47
